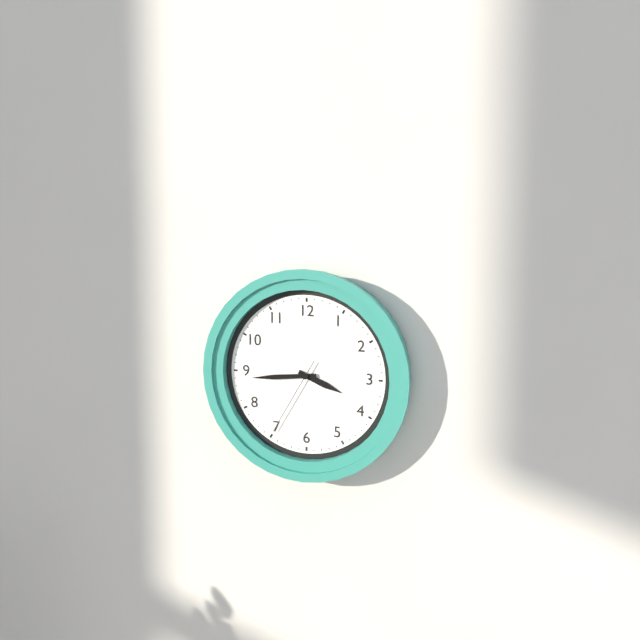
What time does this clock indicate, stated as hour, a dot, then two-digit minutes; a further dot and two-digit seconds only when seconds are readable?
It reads 3.44.35
